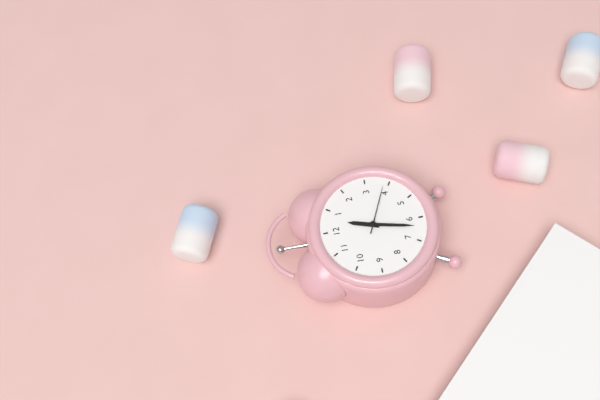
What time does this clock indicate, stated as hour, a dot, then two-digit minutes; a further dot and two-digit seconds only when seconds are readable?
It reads 12.32.19
